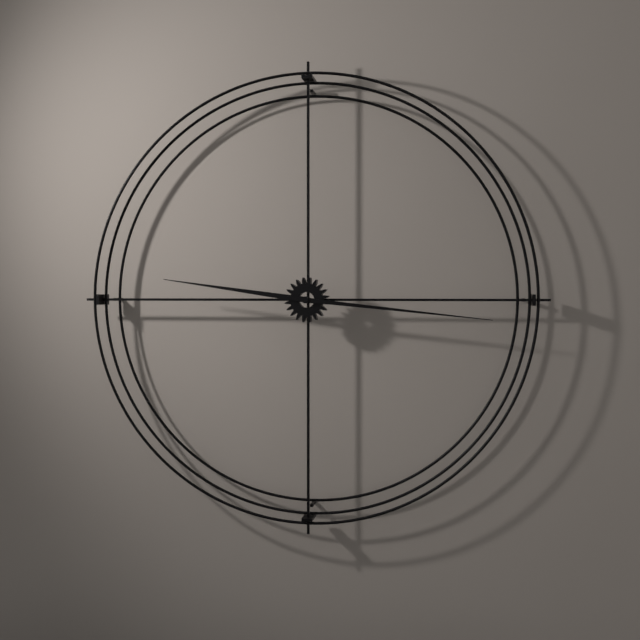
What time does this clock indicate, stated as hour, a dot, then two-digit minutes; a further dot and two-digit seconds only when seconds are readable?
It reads 9.16
